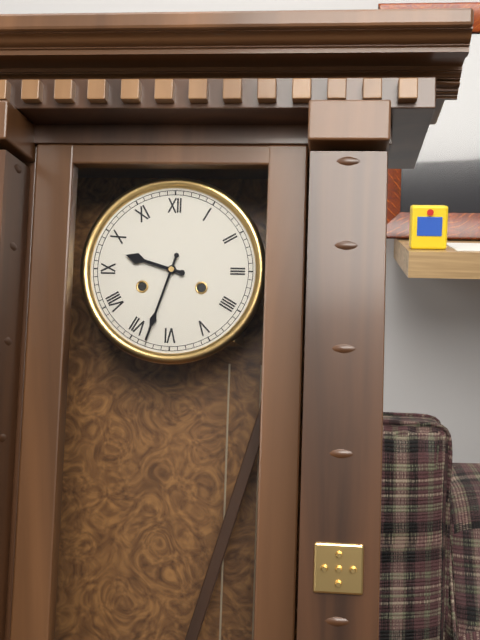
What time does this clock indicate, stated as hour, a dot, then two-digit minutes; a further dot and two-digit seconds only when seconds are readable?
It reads 9.33
